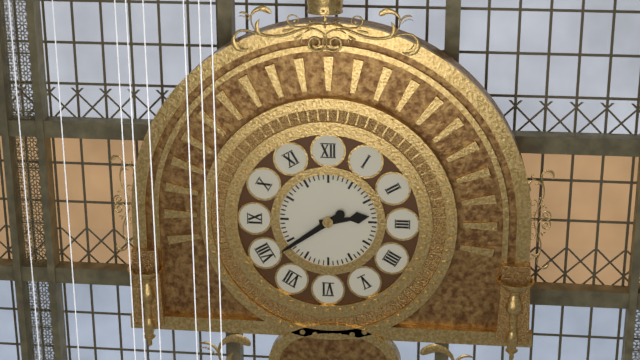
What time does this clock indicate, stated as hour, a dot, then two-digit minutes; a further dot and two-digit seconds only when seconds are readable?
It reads 2.39
